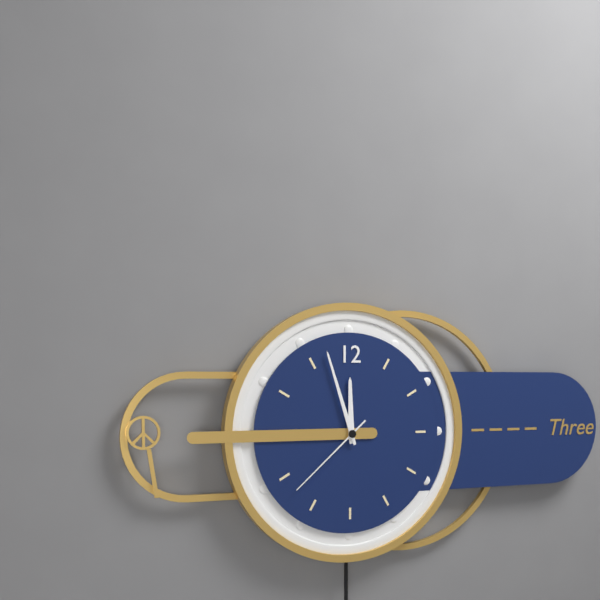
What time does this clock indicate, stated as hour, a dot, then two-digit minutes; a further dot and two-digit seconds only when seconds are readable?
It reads 11.57.38
